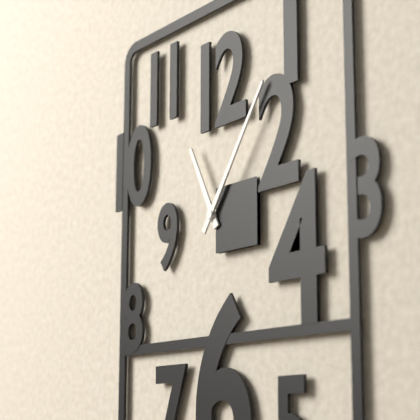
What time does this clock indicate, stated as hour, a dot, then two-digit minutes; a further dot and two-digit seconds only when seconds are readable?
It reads 11.06
